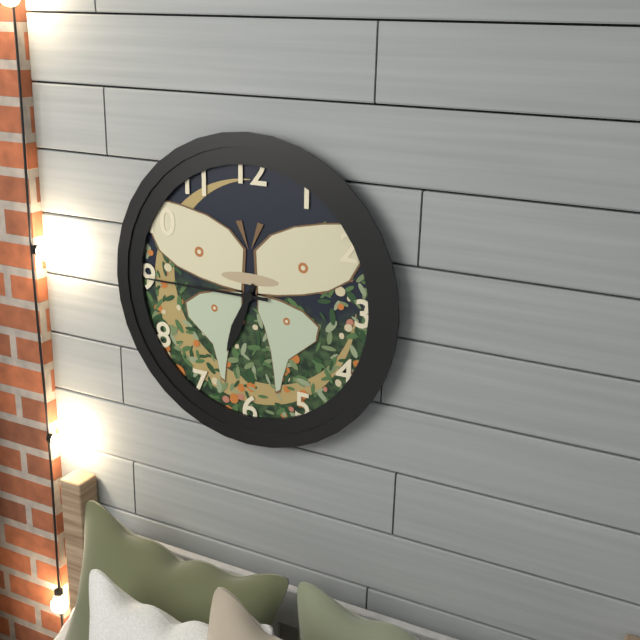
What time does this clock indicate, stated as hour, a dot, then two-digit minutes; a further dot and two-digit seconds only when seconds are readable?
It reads 6.45
